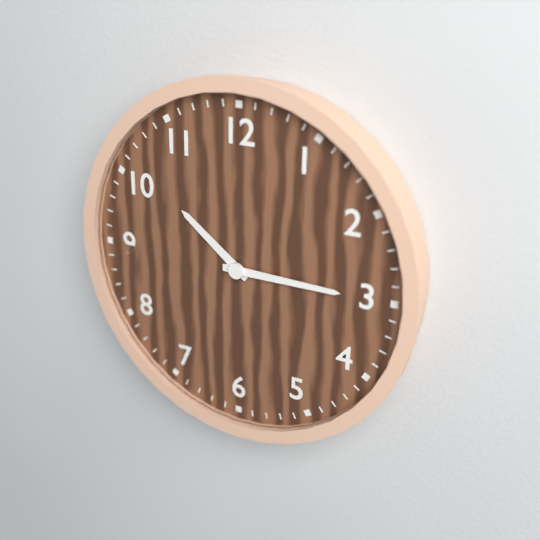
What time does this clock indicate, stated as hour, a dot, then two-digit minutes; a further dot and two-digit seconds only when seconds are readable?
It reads 10.15
